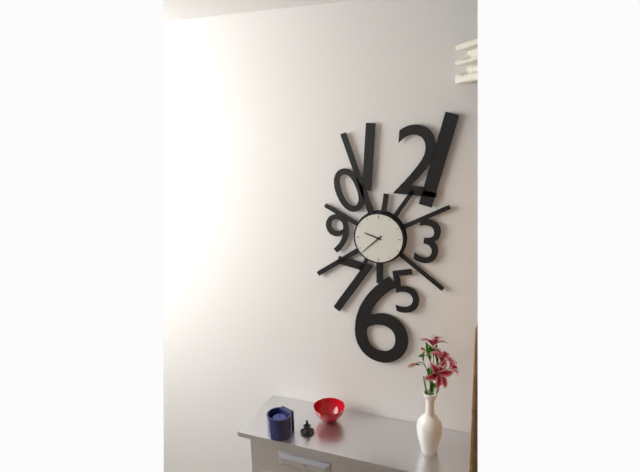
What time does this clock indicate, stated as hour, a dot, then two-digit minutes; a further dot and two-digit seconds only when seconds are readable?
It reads 9.38
